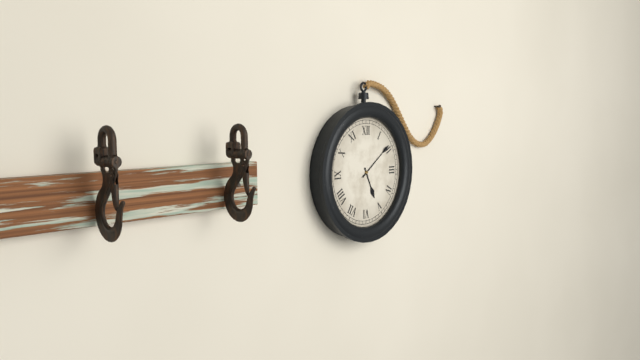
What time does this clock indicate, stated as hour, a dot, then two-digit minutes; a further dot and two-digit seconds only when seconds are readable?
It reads 5.09
